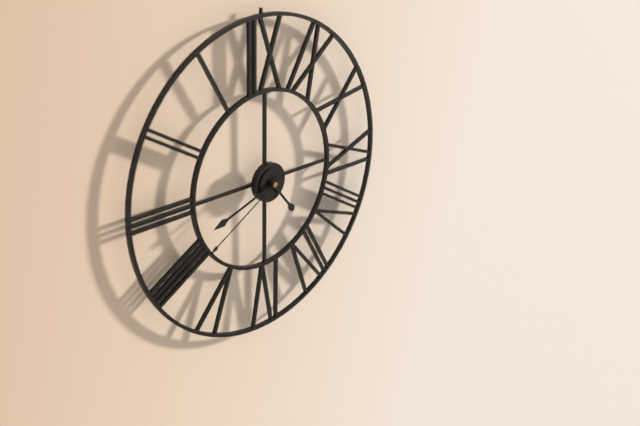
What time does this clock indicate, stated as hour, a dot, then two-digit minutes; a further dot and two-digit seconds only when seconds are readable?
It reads 4.42.40
